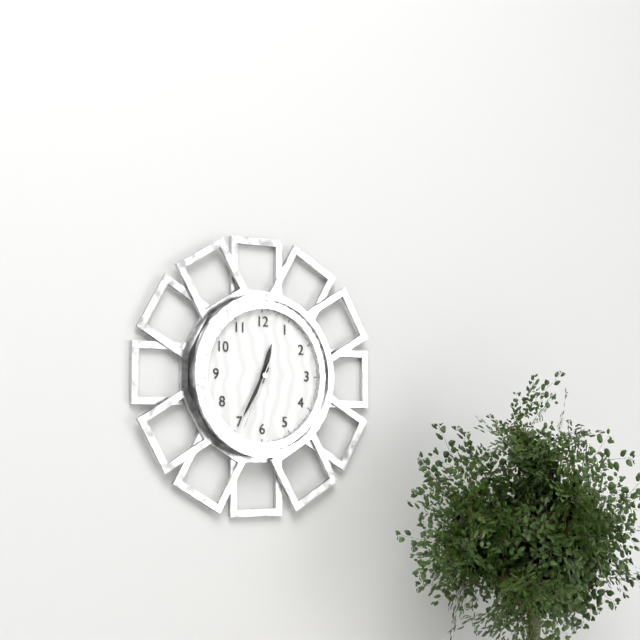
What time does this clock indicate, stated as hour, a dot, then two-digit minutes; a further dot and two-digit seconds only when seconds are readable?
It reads 12.35.34
